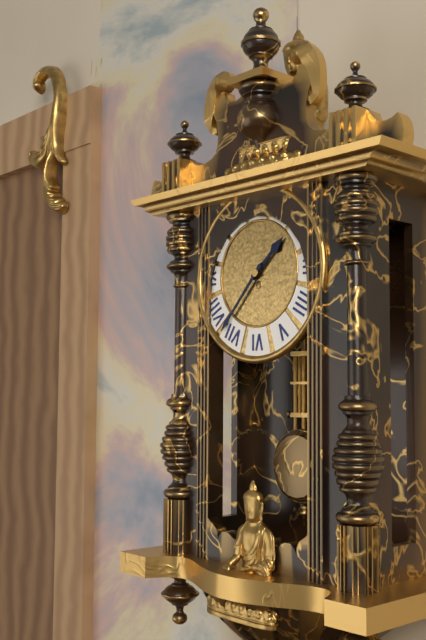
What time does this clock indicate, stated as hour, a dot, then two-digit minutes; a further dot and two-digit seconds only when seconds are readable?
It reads 1.37
